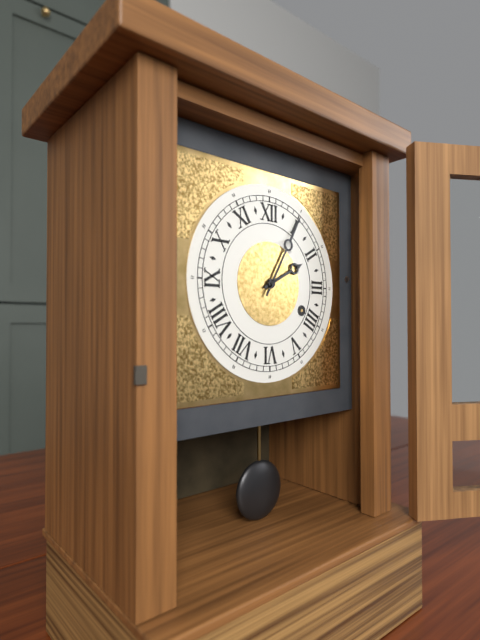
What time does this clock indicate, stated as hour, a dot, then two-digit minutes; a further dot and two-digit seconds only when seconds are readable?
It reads 2.05
